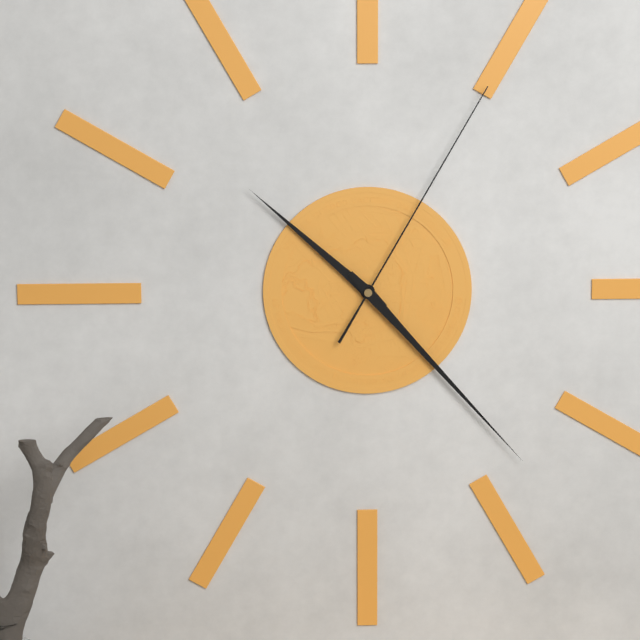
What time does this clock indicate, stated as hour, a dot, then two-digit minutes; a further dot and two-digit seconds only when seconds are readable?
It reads 10.23.05
